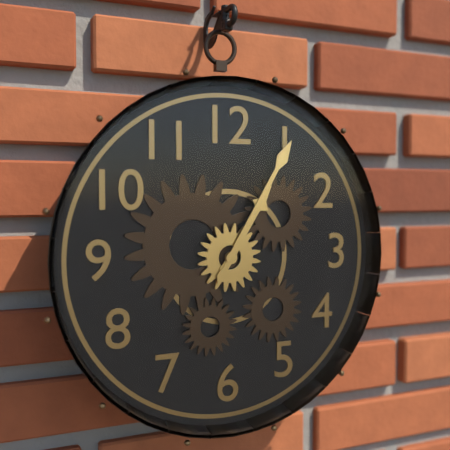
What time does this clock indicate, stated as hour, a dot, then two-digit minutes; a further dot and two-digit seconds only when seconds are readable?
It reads 1.05
